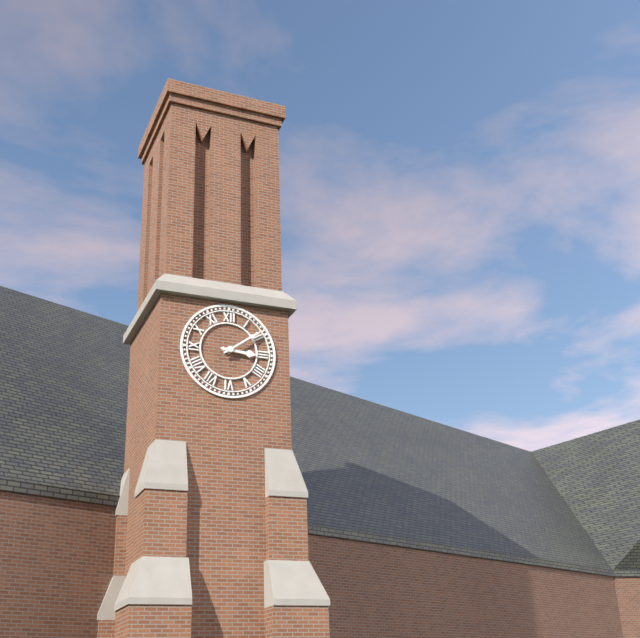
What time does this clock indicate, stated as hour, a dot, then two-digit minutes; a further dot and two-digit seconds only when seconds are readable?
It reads 3.09
